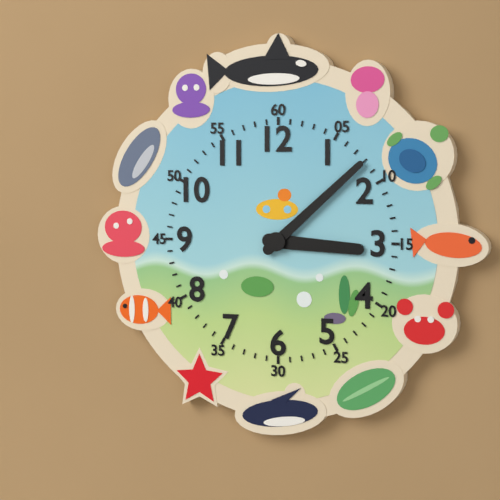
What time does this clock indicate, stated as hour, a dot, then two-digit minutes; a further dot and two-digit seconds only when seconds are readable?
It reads 3.08
